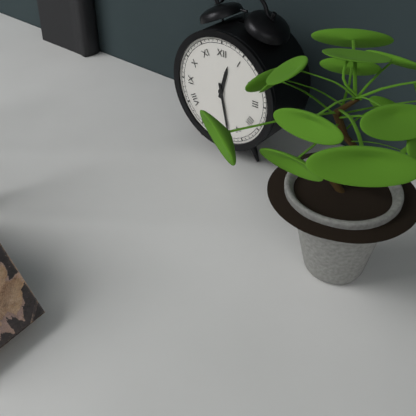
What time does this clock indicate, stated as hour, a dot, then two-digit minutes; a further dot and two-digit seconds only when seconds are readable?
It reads 12.28
